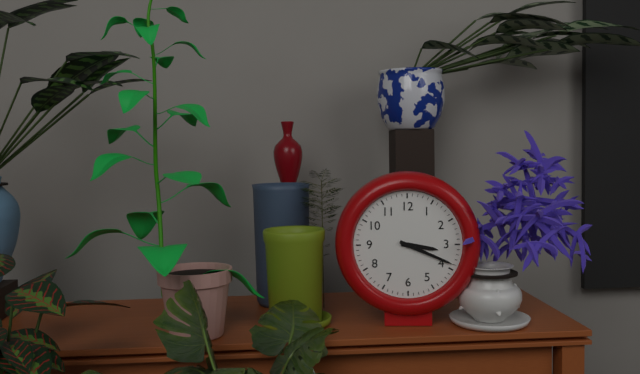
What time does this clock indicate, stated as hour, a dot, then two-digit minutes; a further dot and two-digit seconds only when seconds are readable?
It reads 3.19
